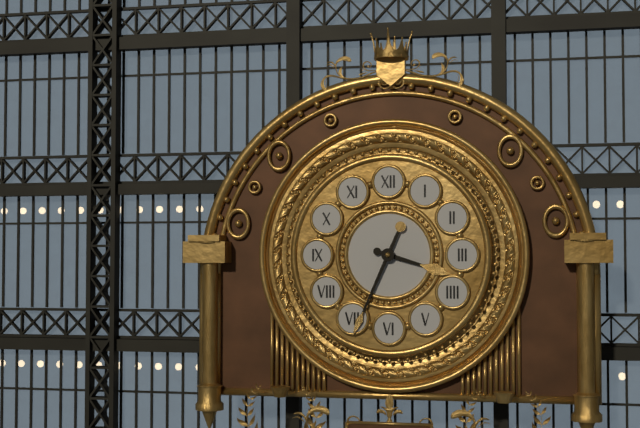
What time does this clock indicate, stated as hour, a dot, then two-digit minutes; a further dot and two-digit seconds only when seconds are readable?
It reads 3.34
